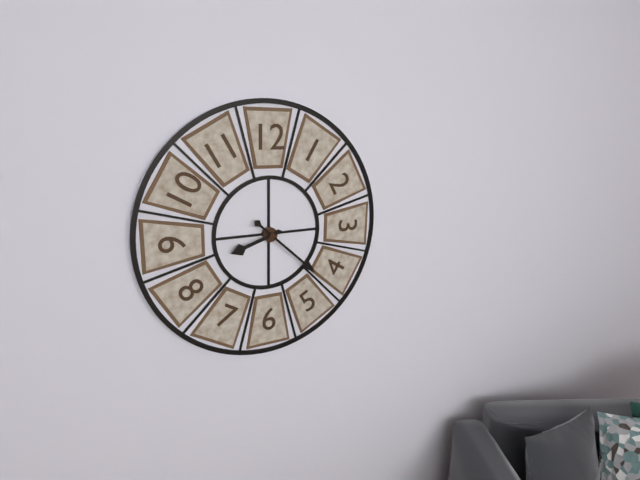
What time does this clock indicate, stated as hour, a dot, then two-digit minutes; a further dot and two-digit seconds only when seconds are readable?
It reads 8.22
